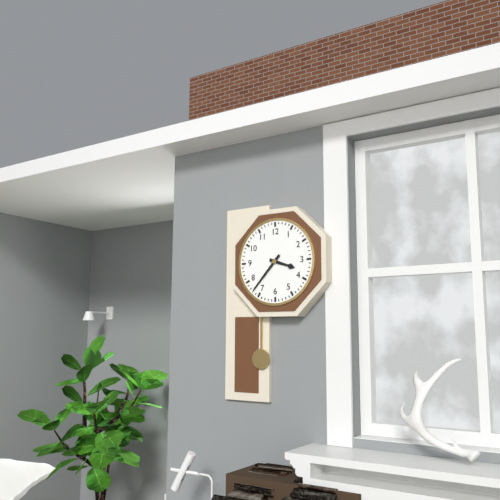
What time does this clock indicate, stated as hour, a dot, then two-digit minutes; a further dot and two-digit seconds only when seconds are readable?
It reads 3.37
